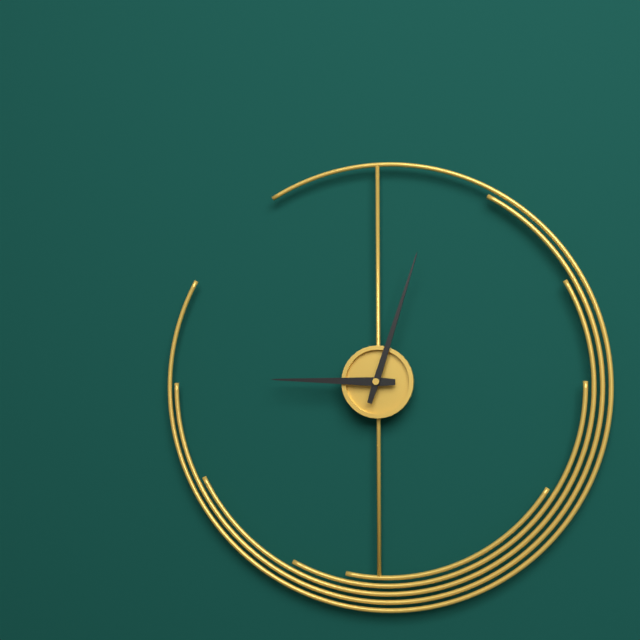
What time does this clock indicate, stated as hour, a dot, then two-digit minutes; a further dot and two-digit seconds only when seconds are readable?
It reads 9.03
